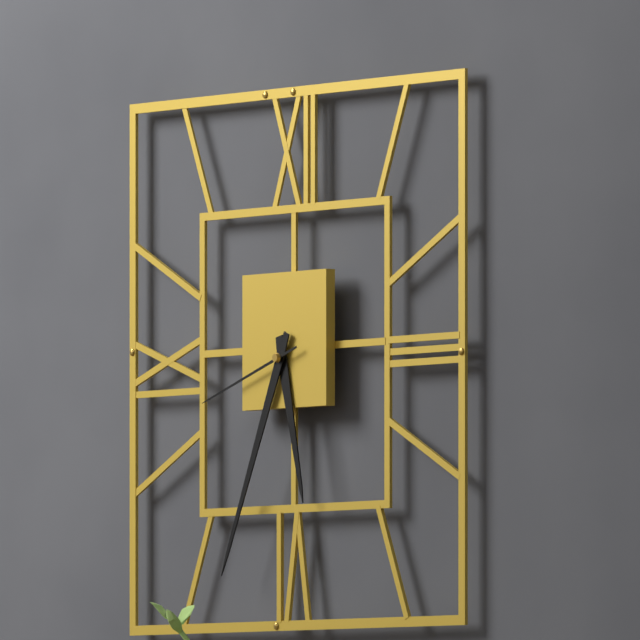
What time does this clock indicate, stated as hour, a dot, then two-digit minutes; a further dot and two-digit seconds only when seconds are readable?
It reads 5.34.42
